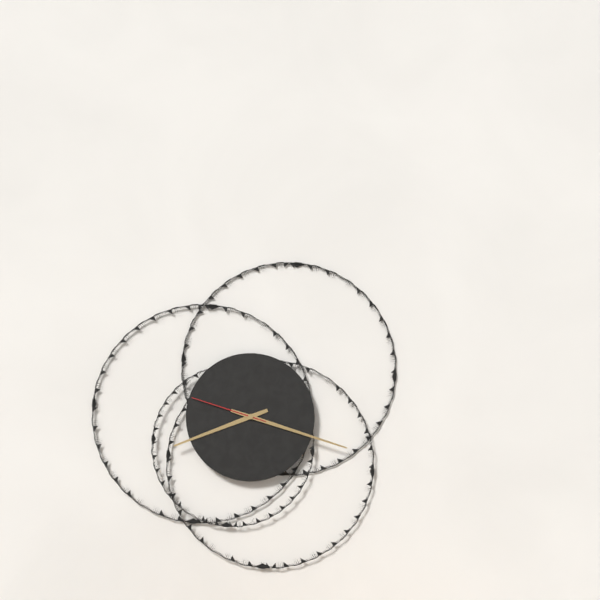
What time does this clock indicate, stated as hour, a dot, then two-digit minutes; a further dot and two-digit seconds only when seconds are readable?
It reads 8.18.48
